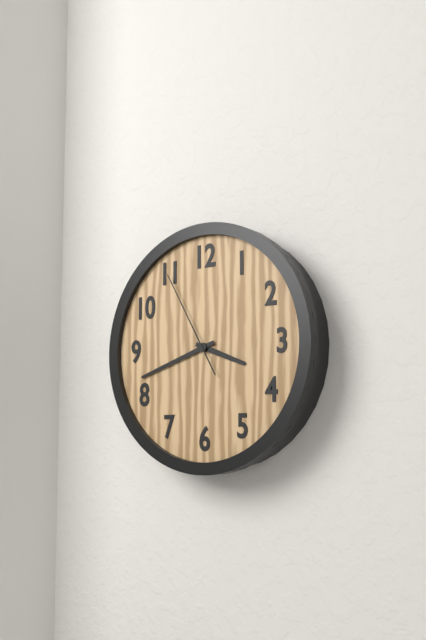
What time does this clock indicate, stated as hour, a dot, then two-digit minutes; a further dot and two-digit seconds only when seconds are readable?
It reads 3.42.55
